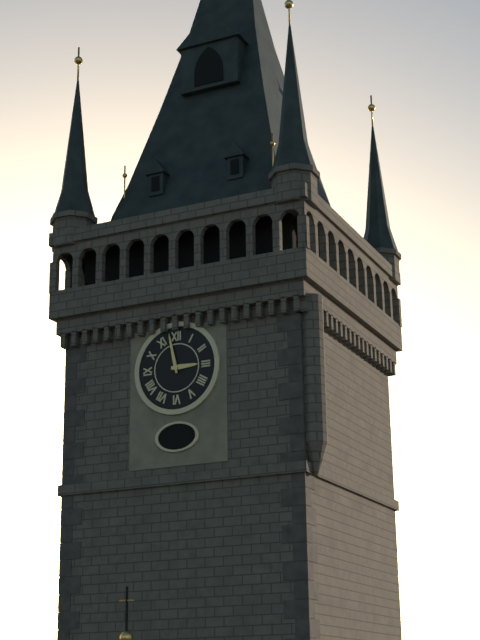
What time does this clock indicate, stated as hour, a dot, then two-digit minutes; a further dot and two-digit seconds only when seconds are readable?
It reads 2.58
